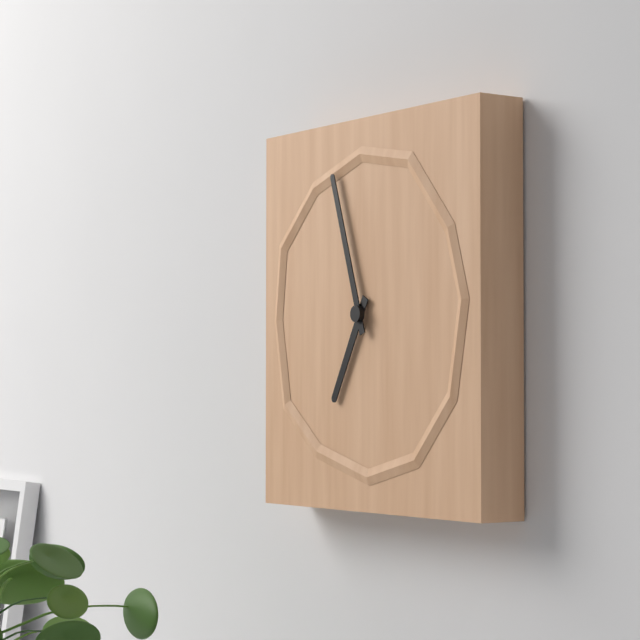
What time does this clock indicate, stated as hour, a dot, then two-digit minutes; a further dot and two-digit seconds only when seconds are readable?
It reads 6.57
